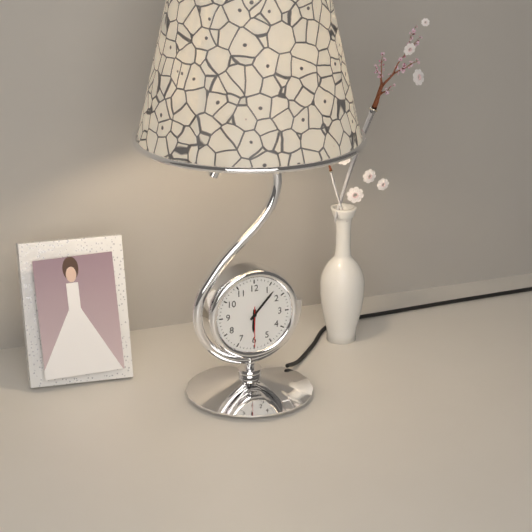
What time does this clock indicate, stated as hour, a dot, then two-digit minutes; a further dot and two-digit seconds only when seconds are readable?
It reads 6.07
